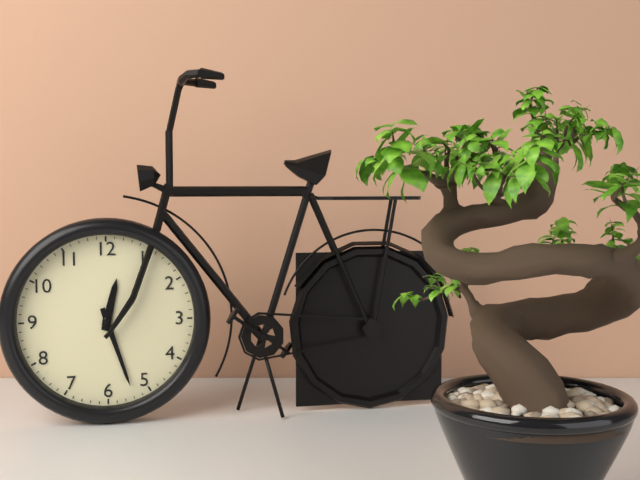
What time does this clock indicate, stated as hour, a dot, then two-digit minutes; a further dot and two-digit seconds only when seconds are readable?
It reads 12.27
